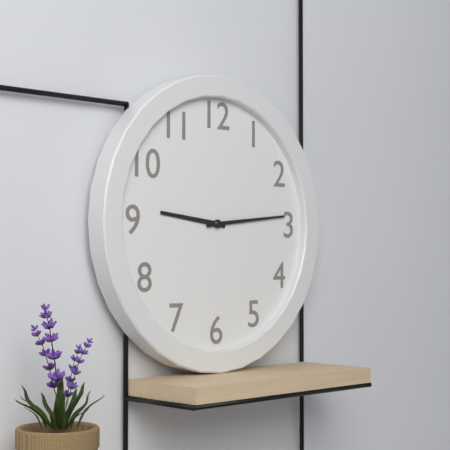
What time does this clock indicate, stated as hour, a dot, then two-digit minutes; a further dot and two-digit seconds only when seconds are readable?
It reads 9.14
